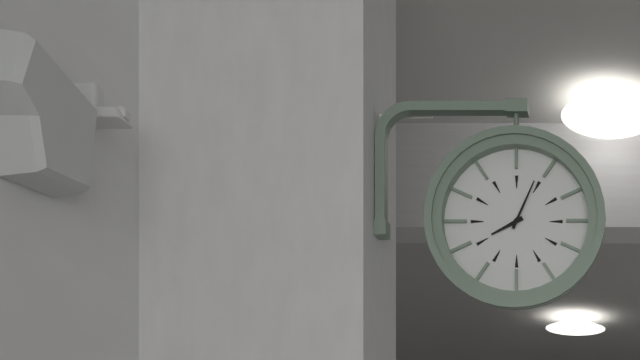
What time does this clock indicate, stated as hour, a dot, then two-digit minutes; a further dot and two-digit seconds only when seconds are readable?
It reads 8.04
